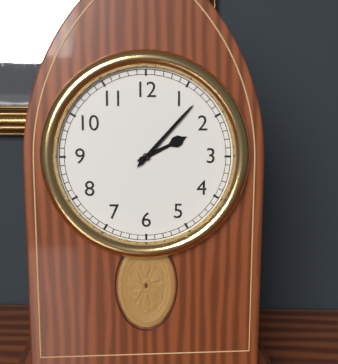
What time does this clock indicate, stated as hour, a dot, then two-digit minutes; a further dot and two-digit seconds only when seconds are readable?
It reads 2.07
